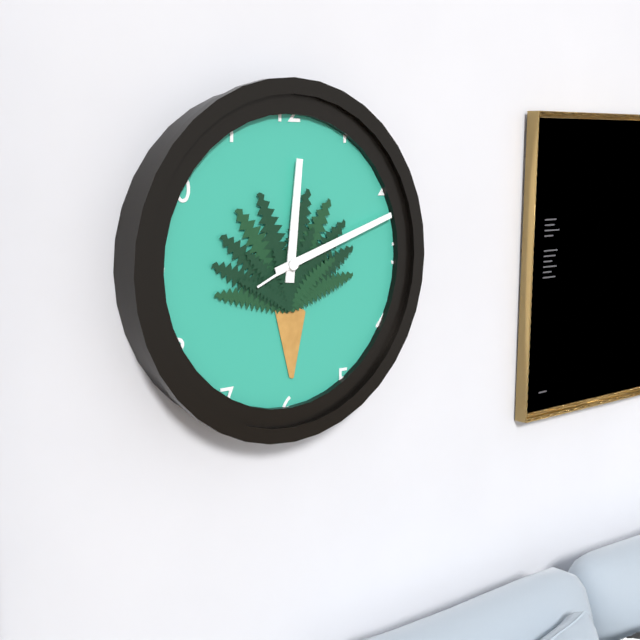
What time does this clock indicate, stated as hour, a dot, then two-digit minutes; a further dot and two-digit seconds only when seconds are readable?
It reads 12.12
